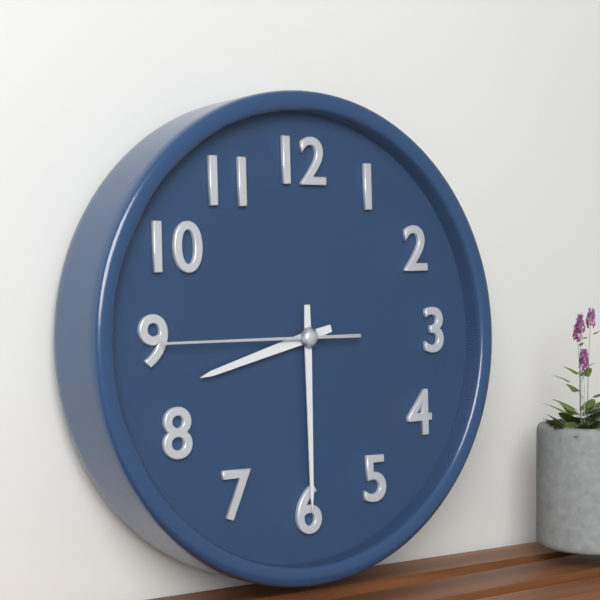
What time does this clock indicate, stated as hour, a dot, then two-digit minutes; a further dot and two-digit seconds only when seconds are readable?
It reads 8.30.45
